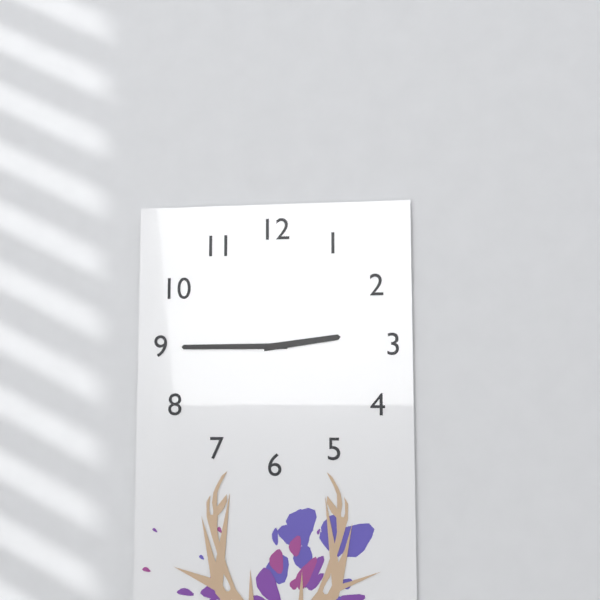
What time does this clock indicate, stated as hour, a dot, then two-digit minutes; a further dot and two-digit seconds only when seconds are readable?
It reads 2.45.45
